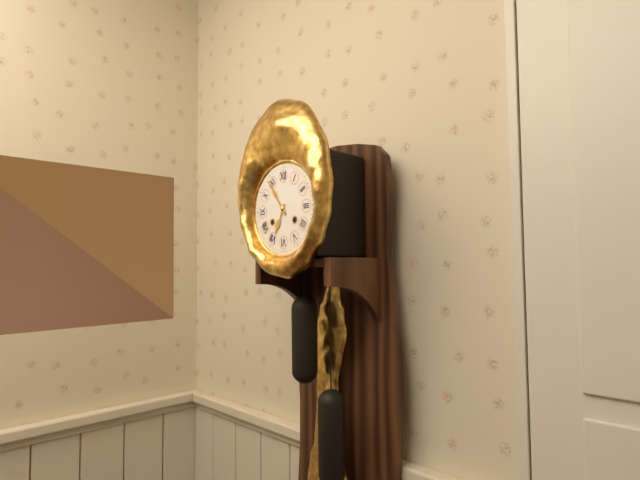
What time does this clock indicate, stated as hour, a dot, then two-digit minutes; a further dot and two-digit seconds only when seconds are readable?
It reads 6.54
